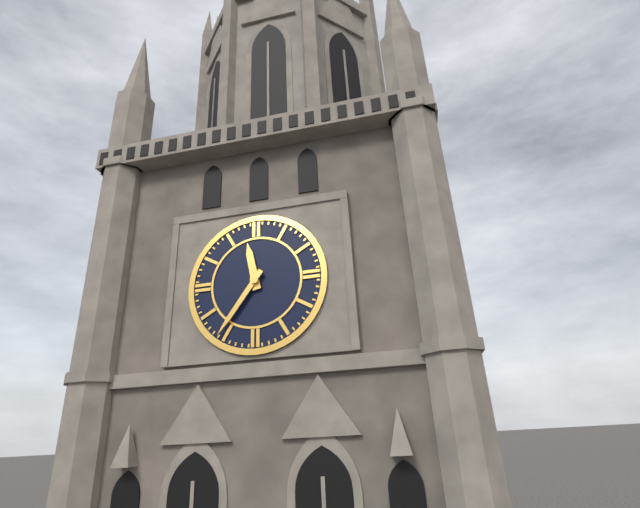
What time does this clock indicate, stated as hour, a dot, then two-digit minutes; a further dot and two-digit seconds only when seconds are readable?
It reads 11.36
